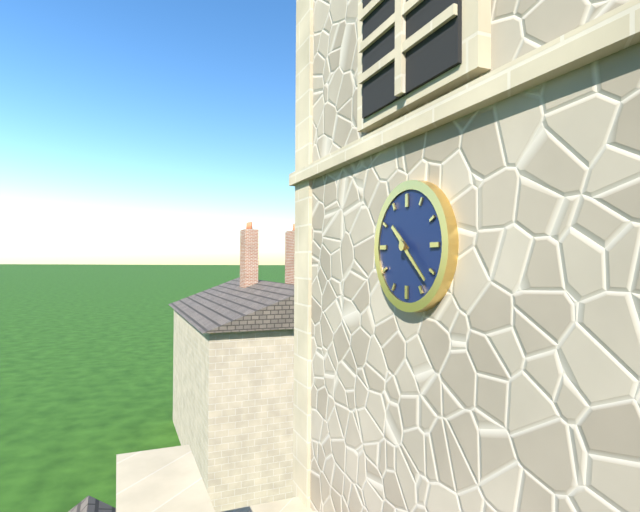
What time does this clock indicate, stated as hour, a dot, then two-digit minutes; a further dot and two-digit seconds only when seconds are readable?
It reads 10.22
